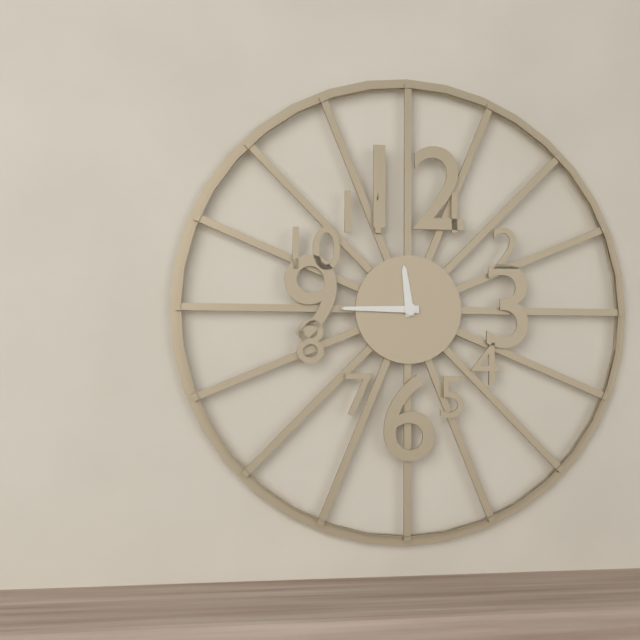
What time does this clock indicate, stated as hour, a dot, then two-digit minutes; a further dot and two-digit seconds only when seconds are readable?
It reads 11.45
